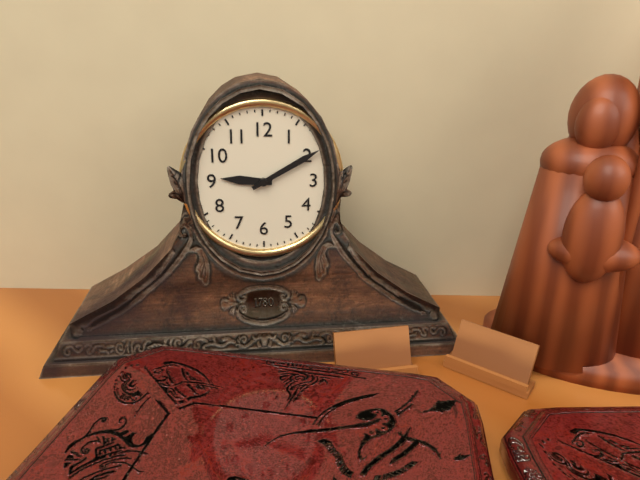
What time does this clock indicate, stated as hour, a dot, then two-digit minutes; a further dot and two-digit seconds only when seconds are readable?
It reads 9.10
